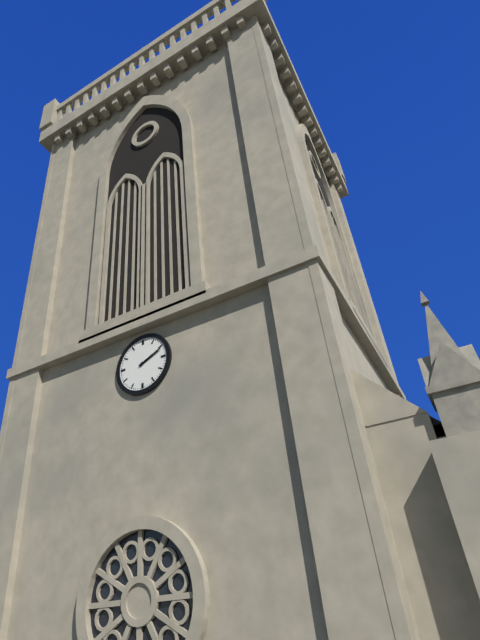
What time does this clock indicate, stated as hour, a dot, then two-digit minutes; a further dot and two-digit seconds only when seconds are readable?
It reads 2.11
